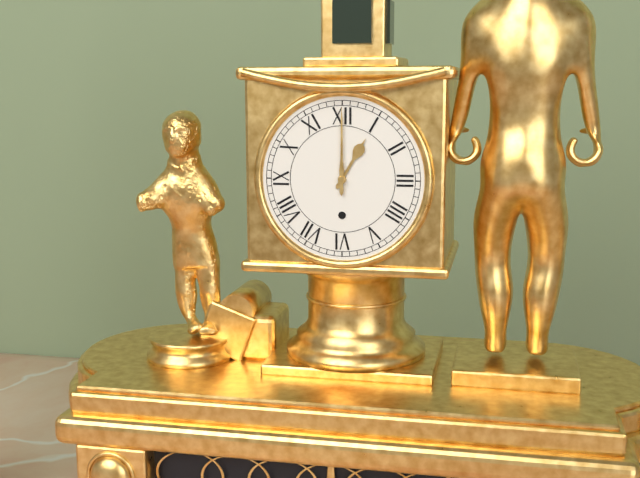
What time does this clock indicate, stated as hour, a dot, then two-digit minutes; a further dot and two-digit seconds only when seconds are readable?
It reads 1.00
